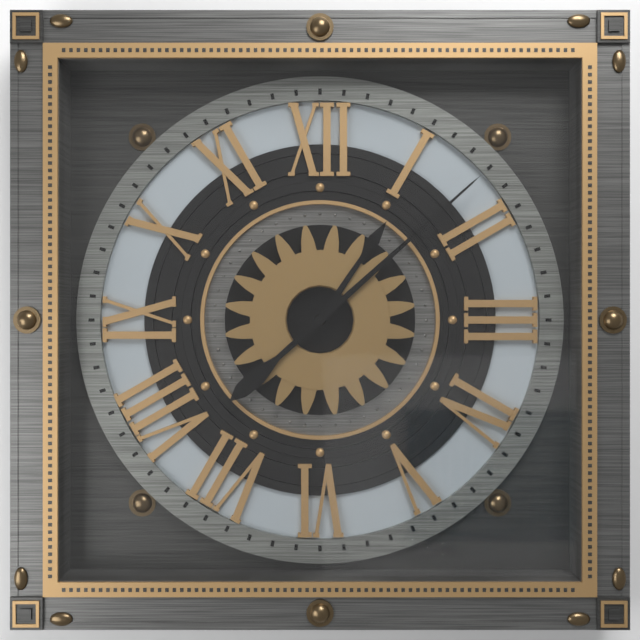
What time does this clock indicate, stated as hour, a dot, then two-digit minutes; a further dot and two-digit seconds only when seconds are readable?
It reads 1.08
